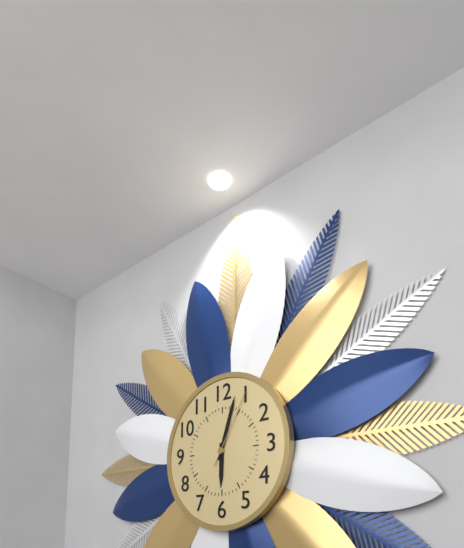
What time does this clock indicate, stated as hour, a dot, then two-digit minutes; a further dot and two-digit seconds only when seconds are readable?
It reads 6.03.05
